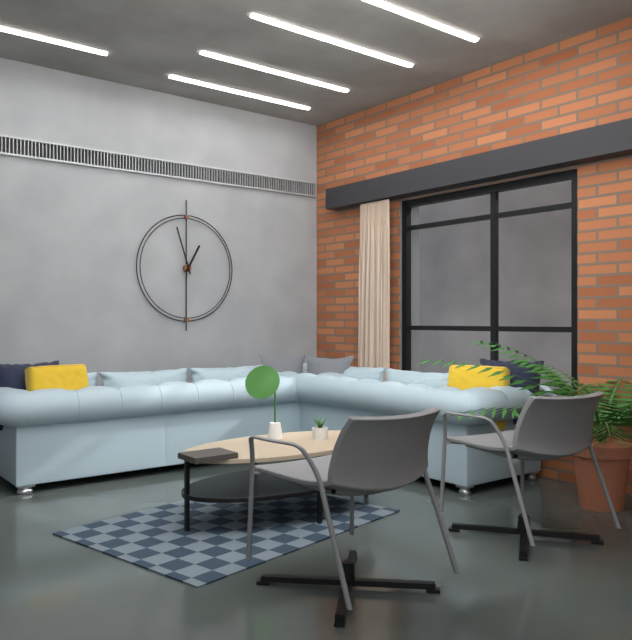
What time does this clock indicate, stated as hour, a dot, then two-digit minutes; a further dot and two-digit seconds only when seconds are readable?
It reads 12.57
